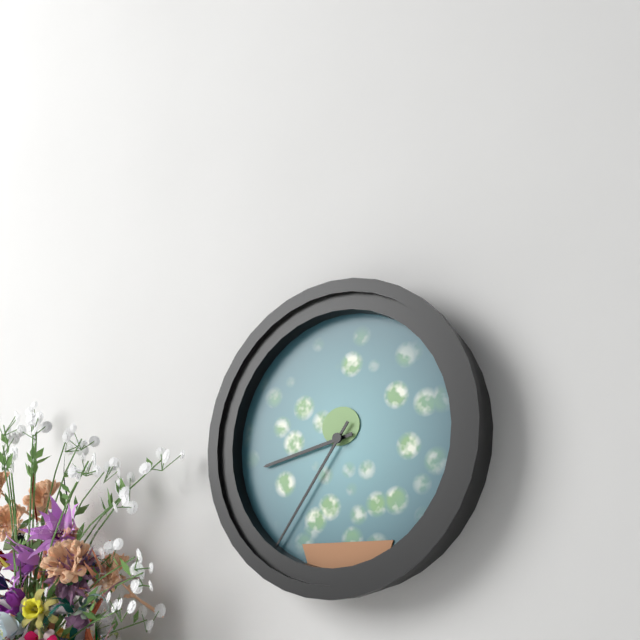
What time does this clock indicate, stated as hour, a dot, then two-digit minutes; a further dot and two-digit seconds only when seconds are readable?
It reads 8.36
